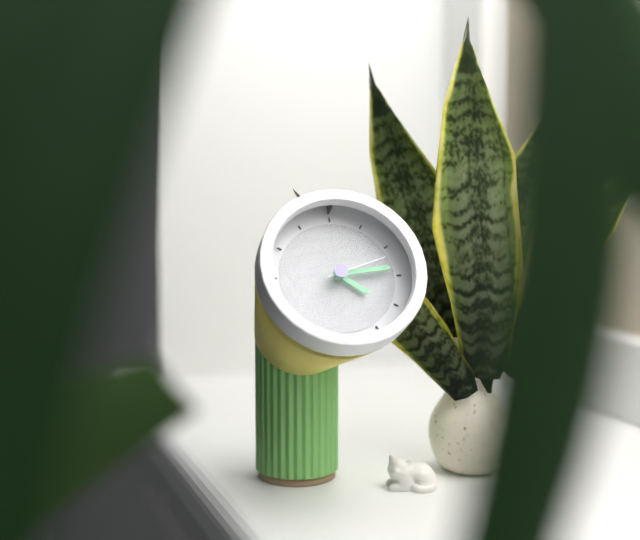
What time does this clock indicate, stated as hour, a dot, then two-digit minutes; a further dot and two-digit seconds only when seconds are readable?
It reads 4.14.12
